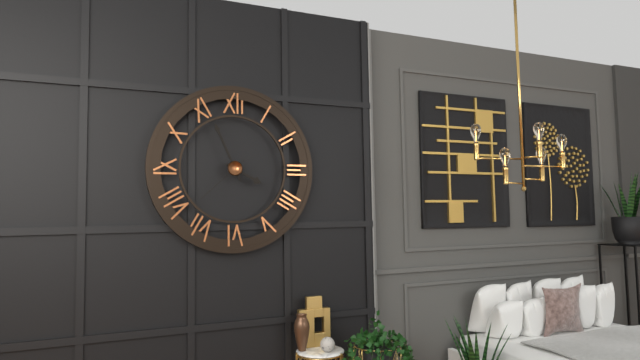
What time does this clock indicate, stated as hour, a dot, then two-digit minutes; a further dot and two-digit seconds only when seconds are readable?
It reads 3.56.38
